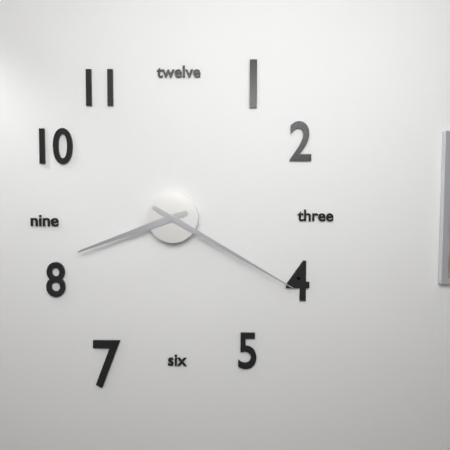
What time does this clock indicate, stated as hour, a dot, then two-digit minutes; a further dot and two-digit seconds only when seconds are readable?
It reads 8.20
